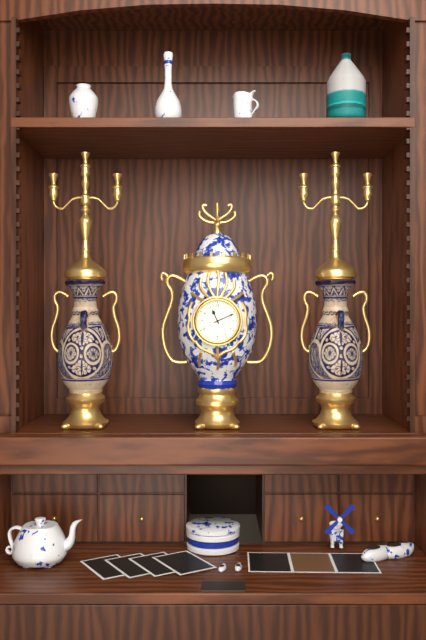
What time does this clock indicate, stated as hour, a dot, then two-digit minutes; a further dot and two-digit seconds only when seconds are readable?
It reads 11.11
